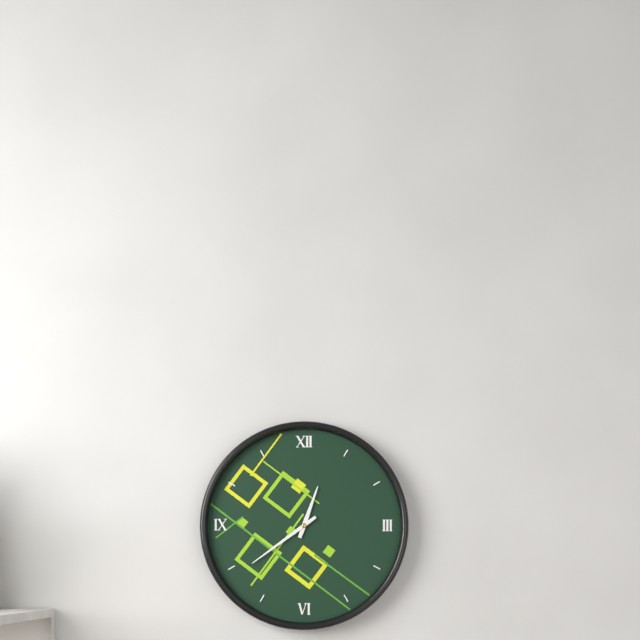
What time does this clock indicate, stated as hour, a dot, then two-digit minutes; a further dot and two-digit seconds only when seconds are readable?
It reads 12.39
